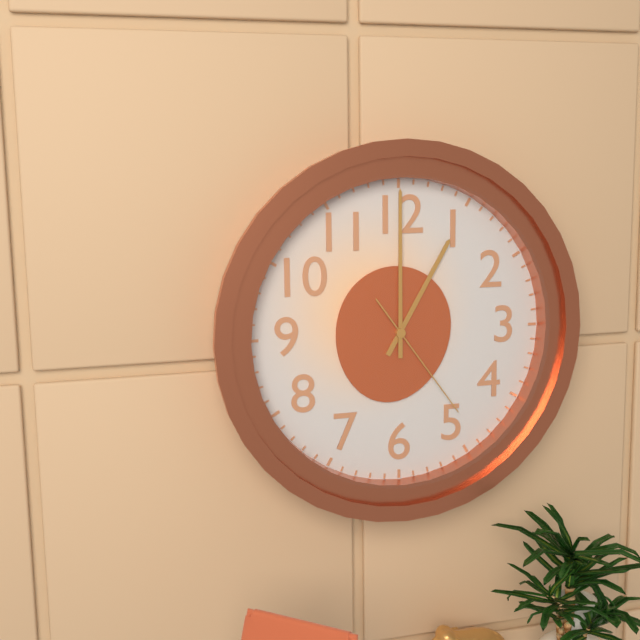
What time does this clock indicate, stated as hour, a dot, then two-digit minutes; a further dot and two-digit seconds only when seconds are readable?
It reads 1.00.24
